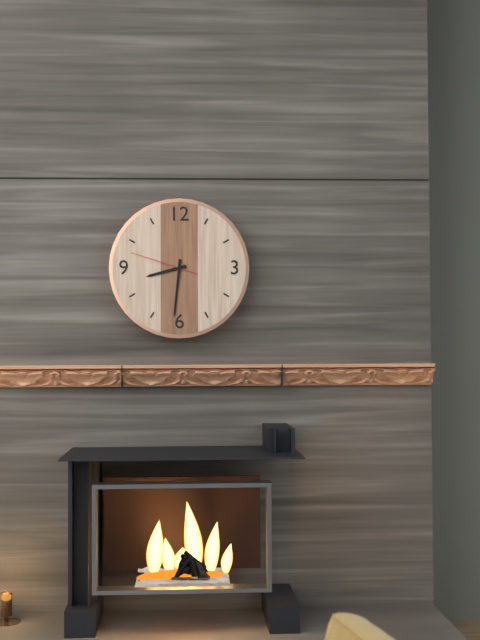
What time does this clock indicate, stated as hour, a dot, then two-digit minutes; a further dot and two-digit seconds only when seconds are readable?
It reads 8.31.48
